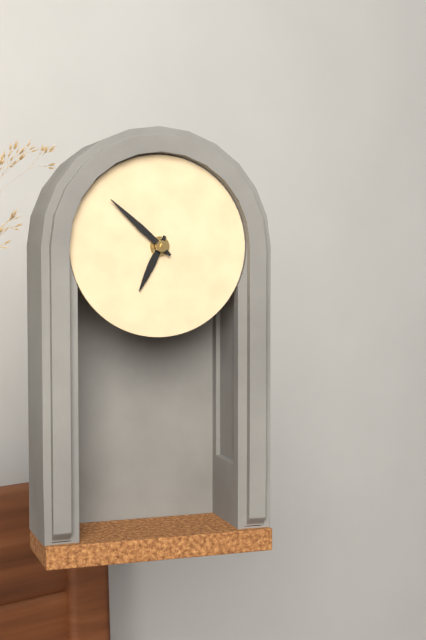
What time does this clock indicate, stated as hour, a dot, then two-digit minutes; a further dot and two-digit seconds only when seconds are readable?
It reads 6.52
